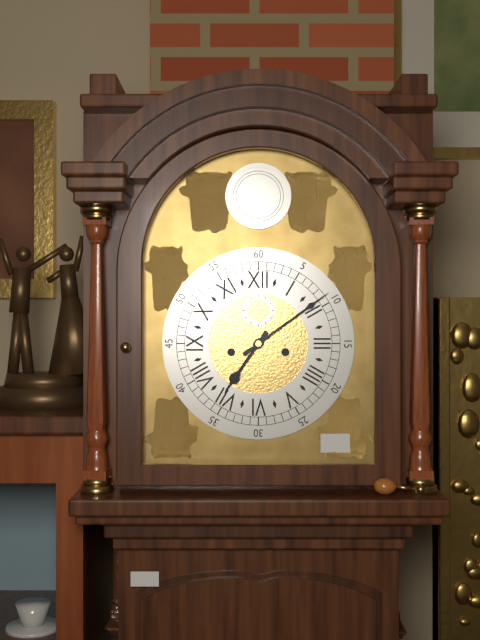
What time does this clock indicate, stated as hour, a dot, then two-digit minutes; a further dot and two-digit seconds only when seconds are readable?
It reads 7.09
